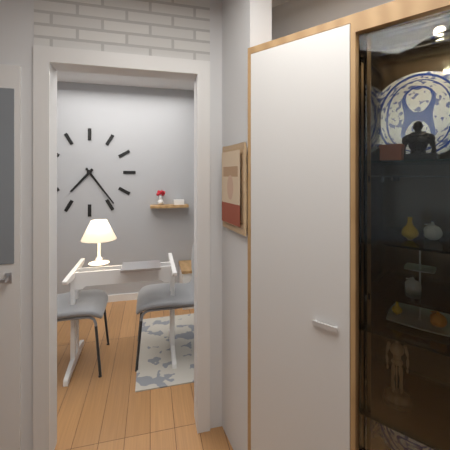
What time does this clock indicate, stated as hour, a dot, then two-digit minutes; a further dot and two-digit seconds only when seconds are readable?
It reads 7.24
